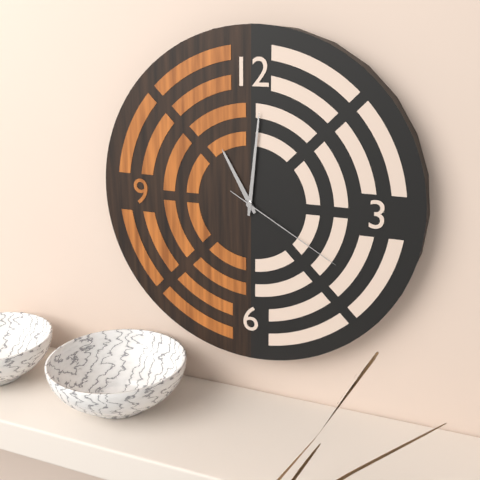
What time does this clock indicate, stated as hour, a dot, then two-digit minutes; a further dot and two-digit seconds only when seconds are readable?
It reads 11.01.20
